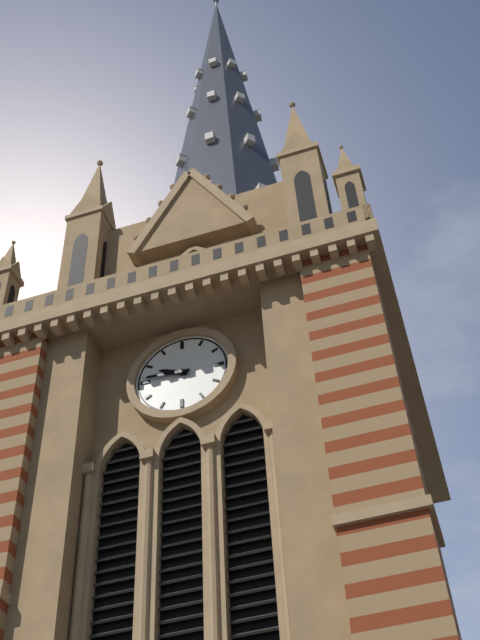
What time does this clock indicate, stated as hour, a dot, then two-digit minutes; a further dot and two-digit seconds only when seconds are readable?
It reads 9.46
